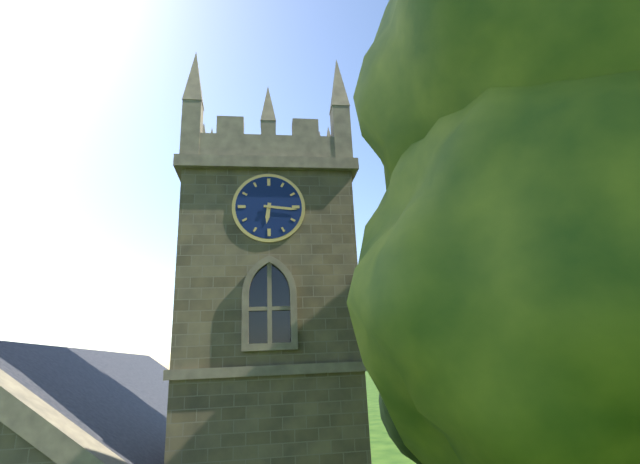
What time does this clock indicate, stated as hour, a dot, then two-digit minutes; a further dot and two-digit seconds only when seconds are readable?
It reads 6.16
